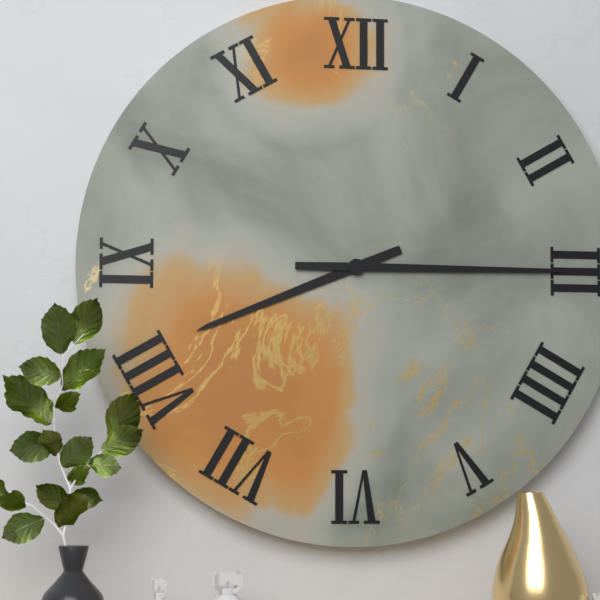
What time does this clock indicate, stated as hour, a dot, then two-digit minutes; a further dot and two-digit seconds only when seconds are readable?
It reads 8.15
